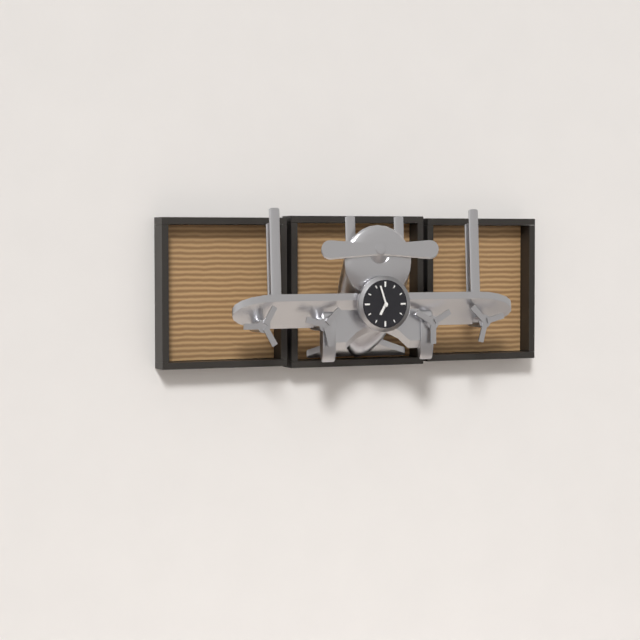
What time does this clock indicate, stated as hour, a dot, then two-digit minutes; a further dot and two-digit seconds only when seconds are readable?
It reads 6.57
